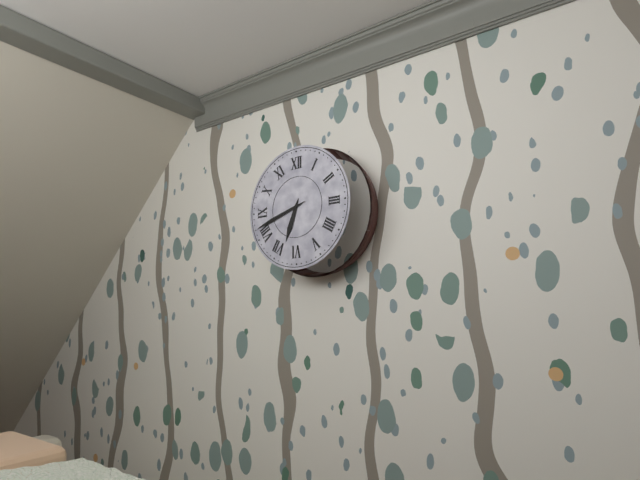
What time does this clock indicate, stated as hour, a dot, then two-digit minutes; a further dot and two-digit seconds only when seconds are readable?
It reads 6.42
